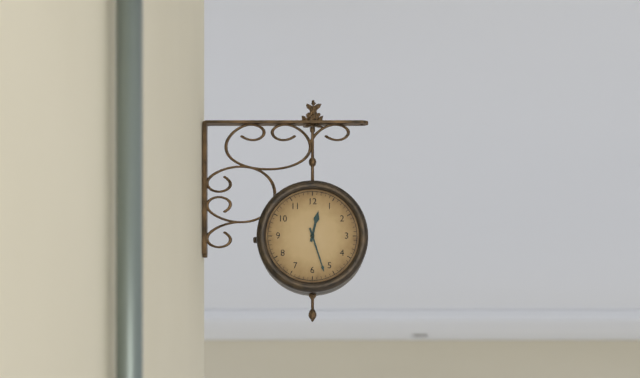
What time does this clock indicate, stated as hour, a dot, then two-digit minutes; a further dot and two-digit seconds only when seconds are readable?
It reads 12.27
